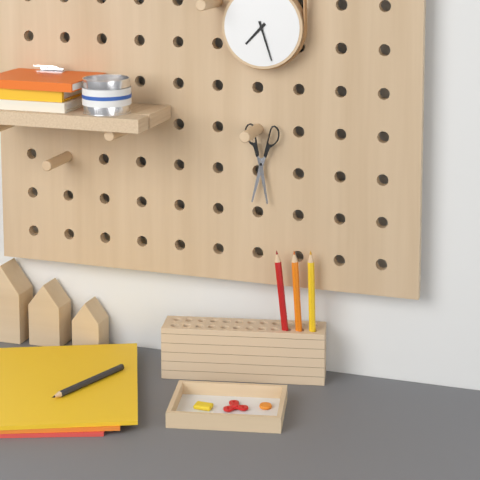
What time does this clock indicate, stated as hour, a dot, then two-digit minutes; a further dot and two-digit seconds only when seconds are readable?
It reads 7.27
